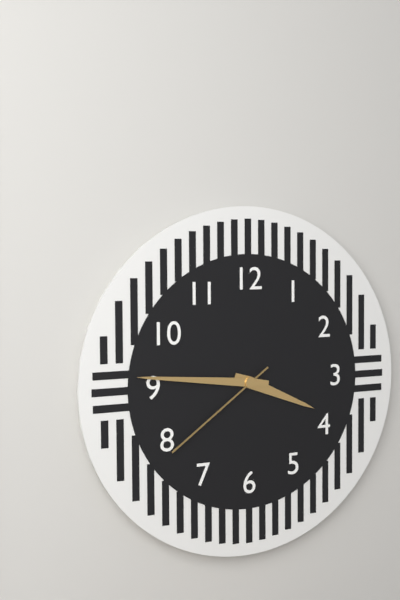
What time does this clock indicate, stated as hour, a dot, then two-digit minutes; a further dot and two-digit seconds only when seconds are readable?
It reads 3.46.39
